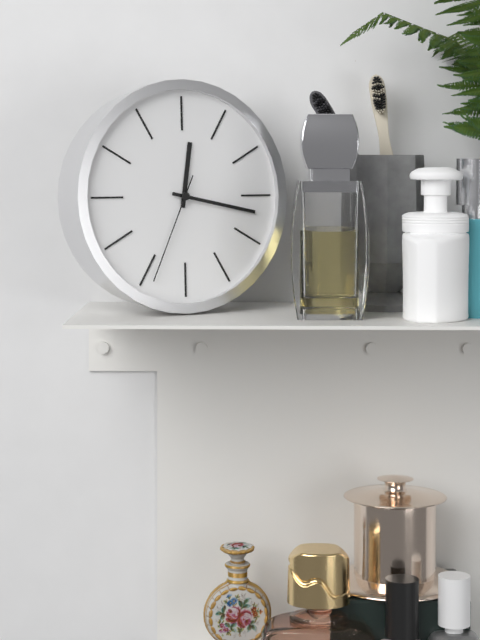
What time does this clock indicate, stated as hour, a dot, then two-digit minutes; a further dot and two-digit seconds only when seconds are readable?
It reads 12.17.34
